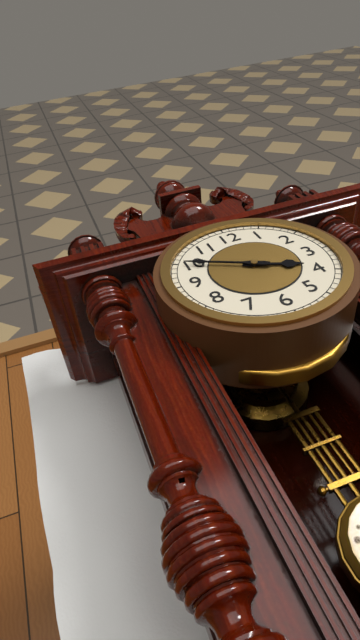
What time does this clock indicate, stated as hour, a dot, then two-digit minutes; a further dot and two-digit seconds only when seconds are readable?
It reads 3.50
